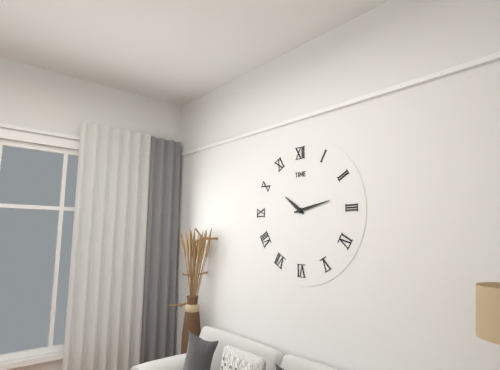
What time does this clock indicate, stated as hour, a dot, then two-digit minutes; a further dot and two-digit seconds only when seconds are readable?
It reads 10.13
